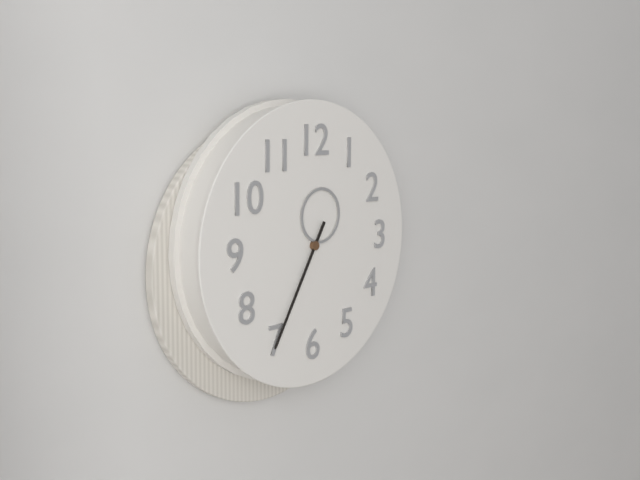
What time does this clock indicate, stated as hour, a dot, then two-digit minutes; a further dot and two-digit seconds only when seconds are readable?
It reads 12.35
